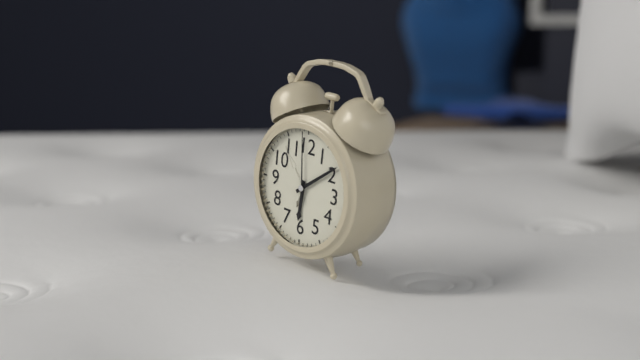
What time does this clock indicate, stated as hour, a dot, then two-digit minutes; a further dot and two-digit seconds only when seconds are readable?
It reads 6.09.59
